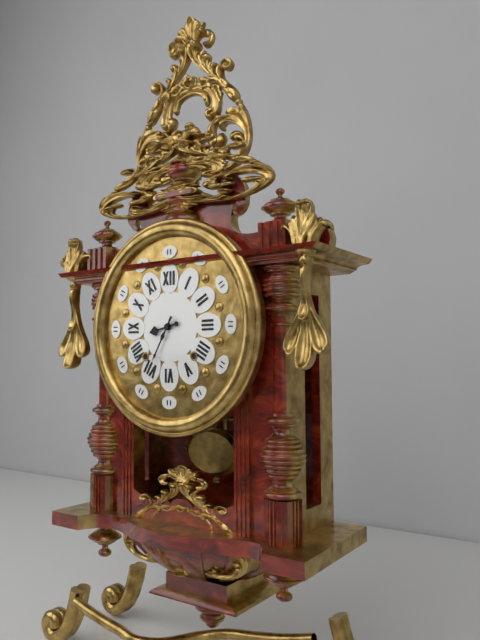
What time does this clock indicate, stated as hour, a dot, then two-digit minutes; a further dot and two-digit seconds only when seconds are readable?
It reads 8.35
